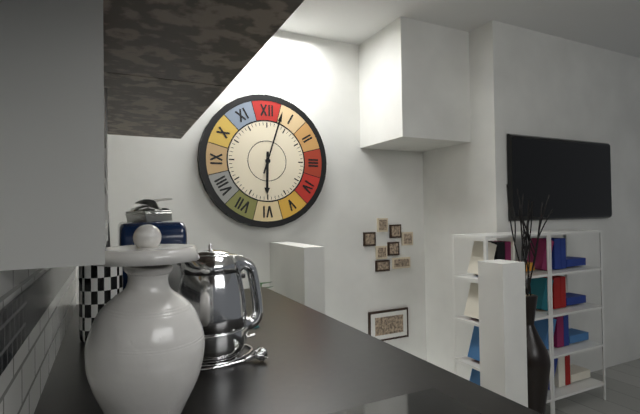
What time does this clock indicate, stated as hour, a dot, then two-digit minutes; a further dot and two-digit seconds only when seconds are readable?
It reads 6.03
